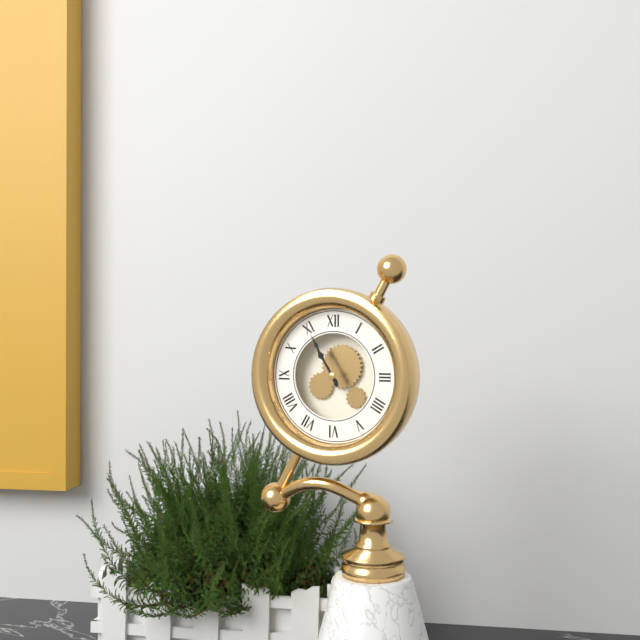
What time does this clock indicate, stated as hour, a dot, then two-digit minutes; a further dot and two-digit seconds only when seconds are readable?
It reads 10.55
